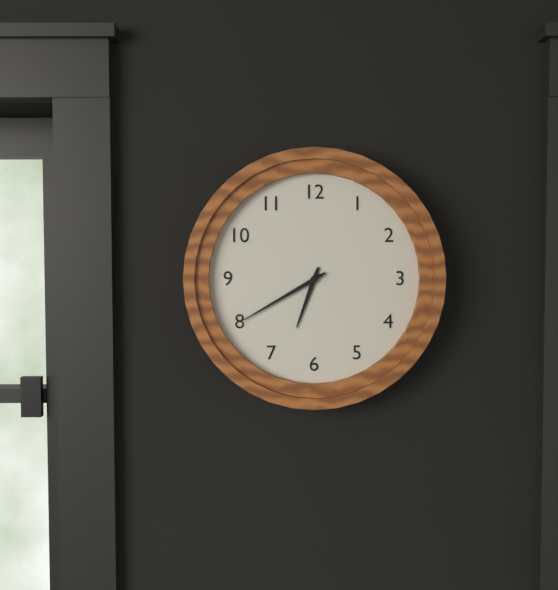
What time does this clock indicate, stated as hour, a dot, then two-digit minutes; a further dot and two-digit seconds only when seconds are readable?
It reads 6.40
